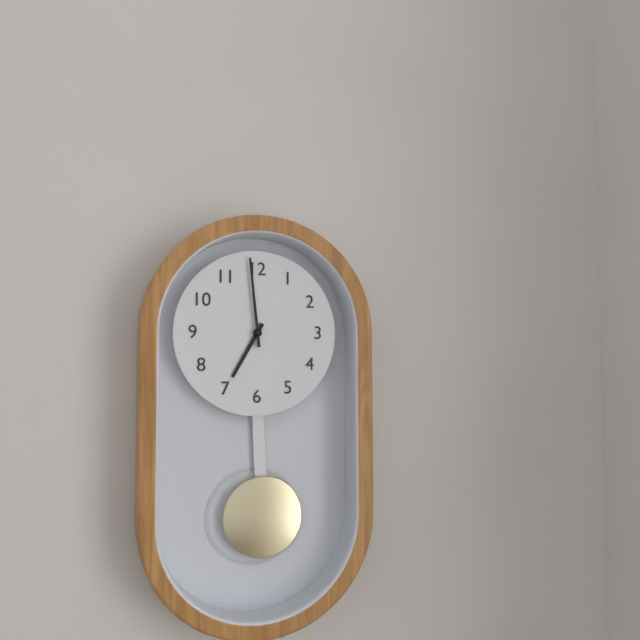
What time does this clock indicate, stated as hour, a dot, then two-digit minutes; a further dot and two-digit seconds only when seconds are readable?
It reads 6.59
